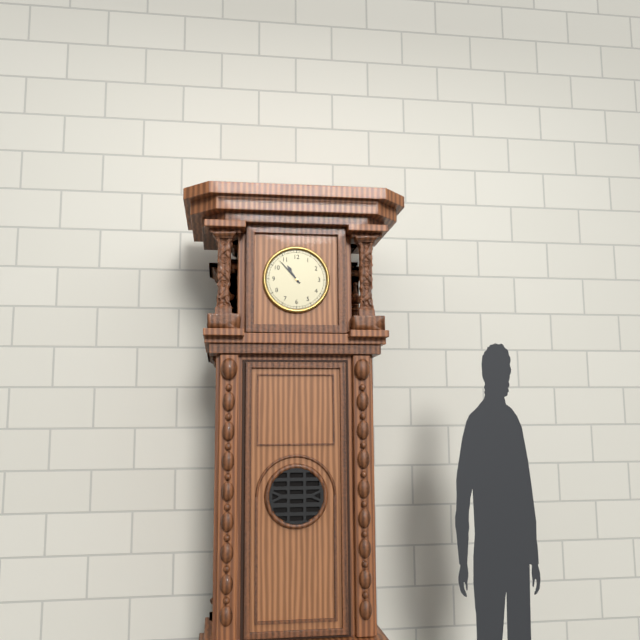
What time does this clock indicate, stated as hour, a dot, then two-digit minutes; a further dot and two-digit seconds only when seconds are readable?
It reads 10.53
